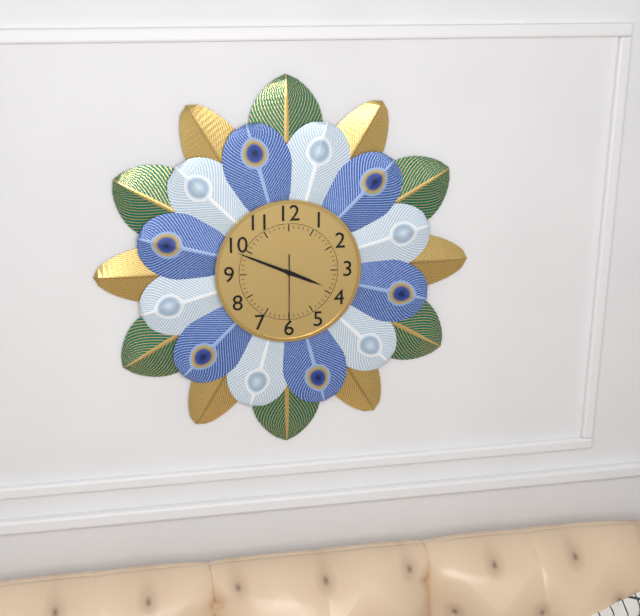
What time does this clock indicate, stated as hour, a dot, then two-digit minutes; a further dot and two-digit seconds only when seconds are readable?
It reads 3.49.30
